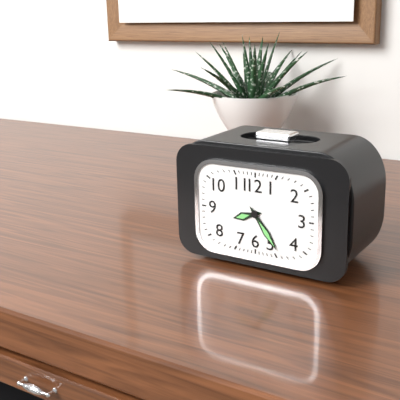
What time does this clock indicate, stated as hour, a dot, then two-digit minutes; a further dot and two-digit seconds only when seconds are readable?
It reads 8.24
